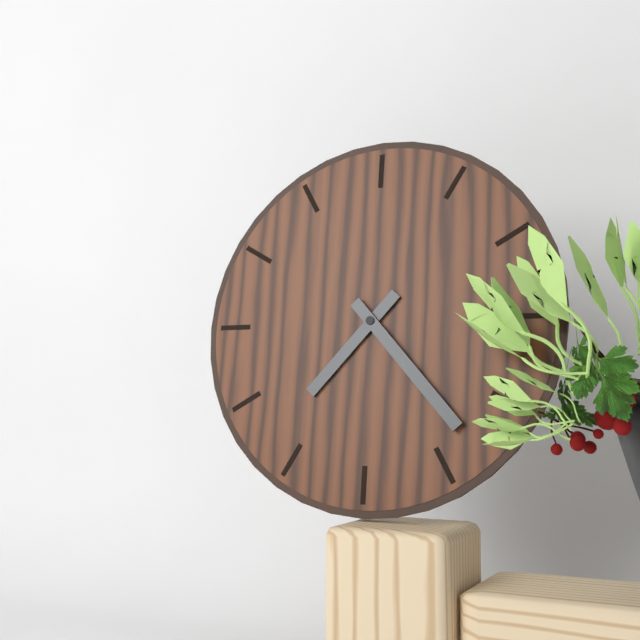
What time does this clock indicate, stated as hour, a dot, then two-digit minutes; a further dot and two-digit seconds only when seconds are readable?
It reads 7.23
